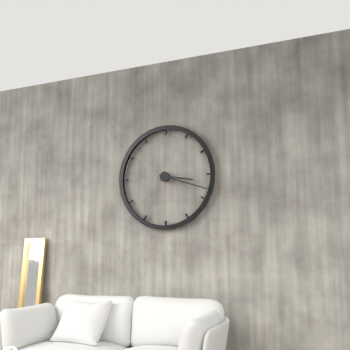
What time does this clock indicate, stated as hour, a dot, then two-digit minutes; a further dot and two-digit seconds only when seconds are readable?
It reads 3.18
